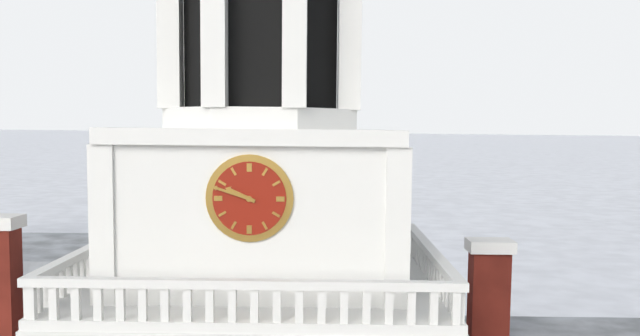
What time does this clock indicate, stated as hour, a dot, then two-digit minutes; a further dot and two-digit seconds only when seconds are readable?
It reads 9.48
